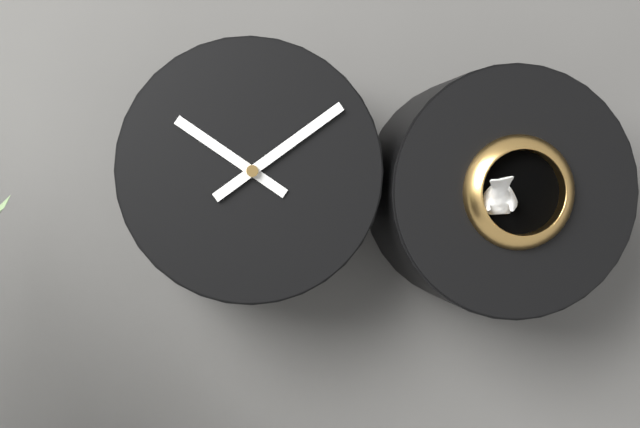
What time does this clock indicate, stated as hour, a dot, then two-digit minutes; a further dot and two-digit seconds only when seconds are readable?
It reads 10.09
